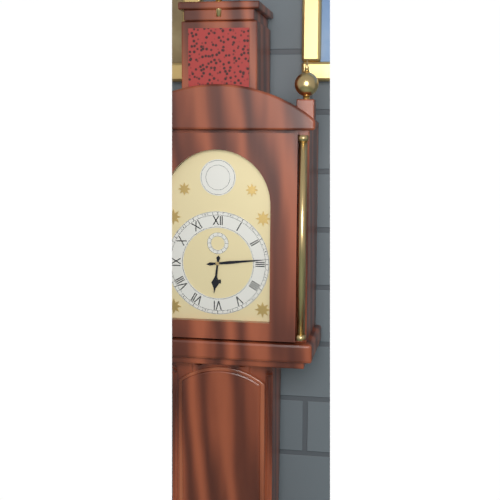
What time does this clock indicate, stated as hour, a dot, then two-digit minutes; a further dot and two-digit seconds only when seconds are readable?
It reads 6.14
